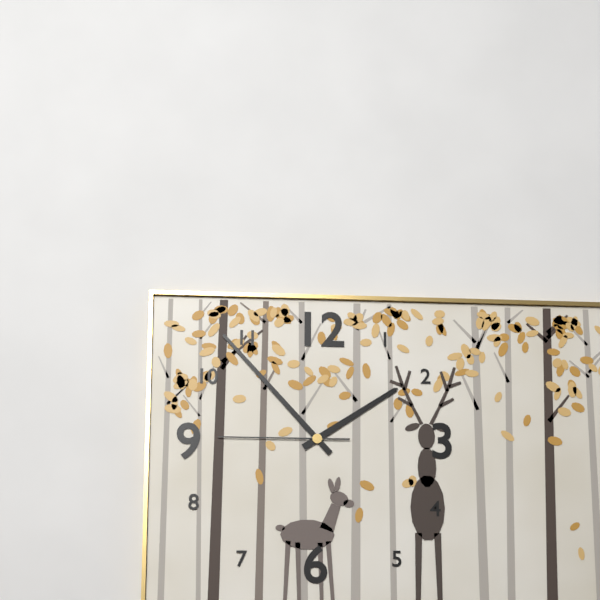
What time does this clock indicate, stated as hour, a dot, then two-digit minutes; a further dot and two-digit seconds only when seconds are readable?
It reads 1.53.45
